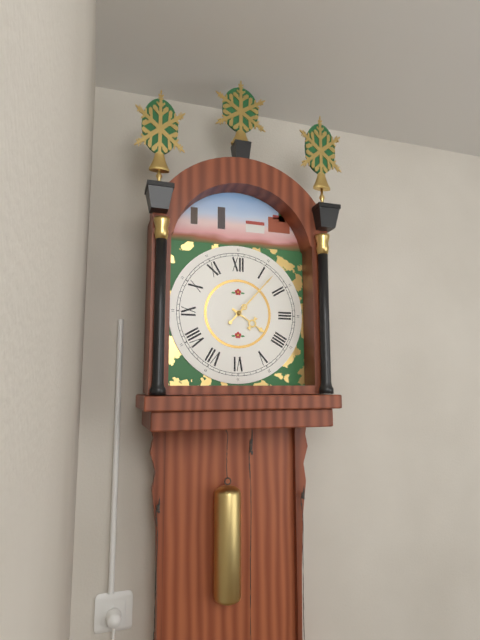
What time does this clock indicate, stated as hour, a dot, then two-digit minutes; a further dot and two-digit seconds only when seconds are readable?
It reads 4.07
